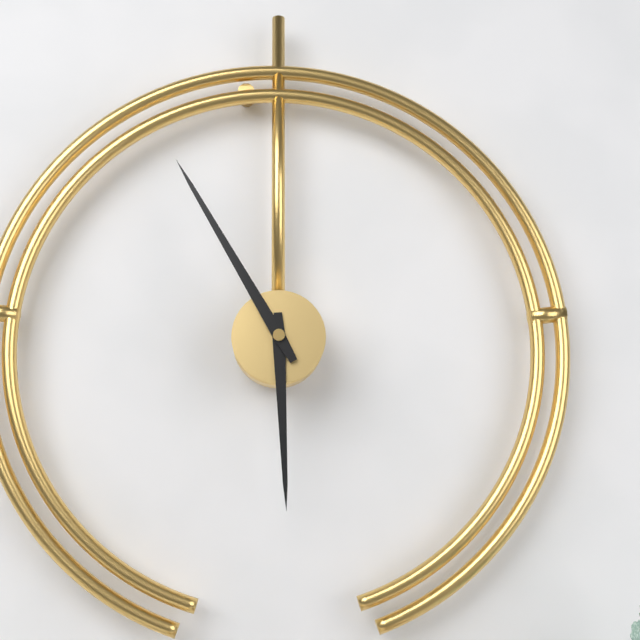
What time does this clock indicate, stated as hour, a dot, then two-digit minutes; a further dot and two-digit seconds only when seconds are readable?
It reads 5.55
